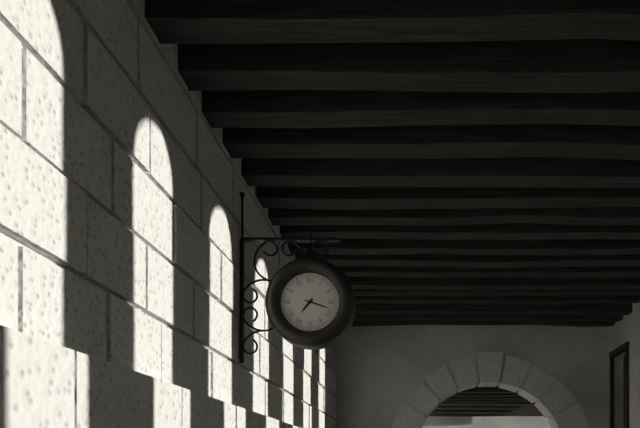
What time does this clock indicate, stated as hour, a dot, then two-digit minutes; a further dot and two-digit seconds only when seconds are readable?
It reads 7.18
